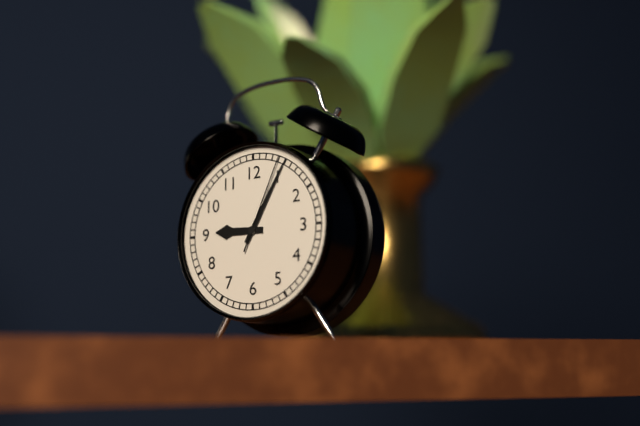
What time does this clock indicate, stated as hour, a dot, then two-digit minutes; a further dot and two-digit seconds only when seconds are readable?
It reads 9.05.04
